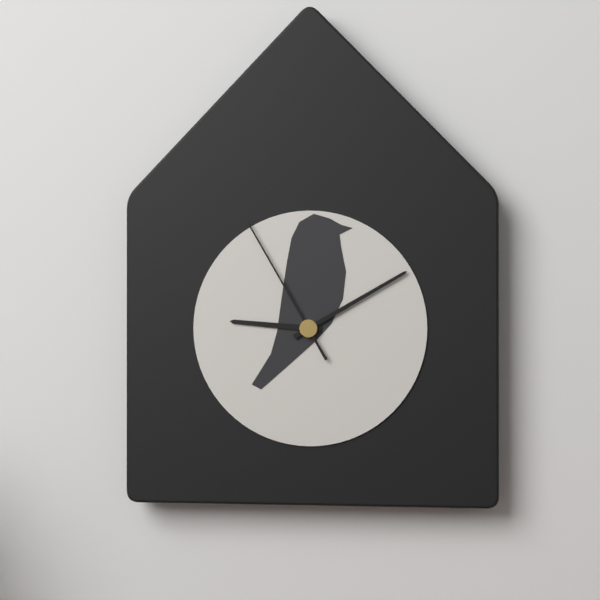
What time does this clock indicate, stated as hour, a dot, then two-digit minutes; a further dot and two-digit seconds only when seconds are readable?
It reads 9.10.55
